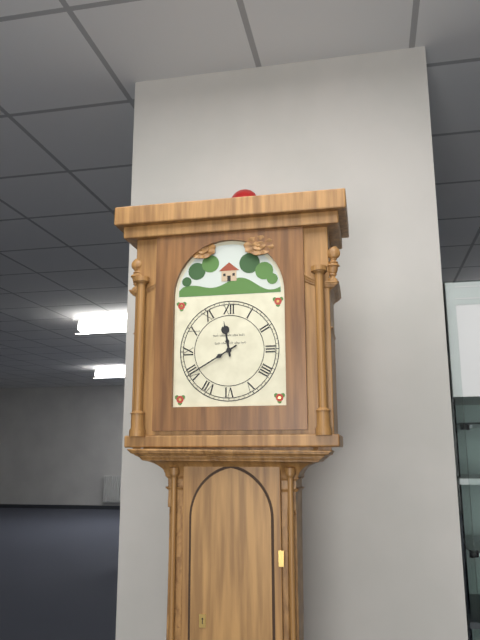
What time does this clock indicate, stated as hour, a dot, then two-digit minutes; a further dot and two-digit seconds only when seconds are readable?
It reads 11.40
